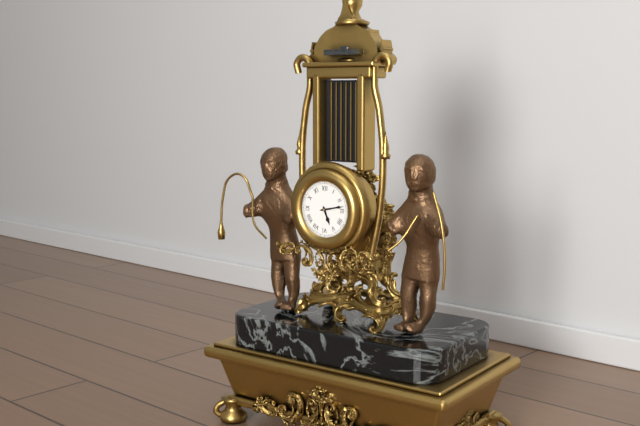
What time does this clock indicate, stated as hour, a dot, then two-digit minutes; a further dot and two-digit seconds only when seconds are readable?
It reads 5.13
